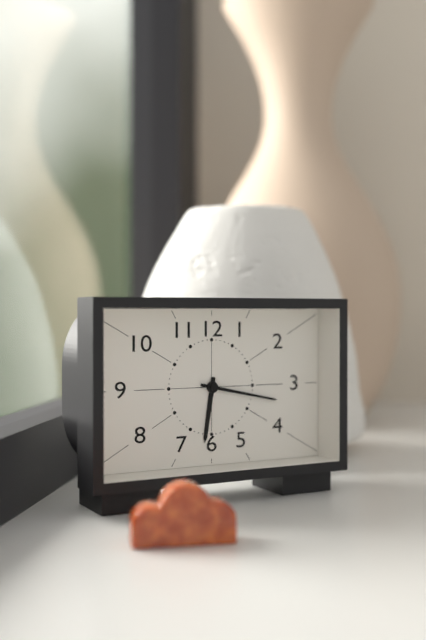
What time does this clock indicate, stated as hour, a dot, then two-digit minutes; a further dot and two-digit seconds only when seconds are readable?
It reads 6.17
